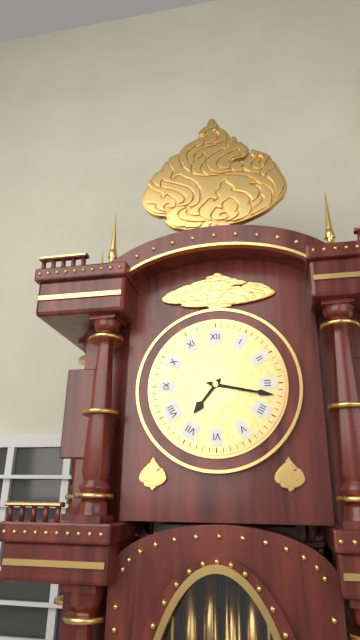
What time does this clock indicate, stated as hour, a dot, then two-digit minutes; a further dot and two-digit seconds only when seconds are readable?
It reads 7.17
